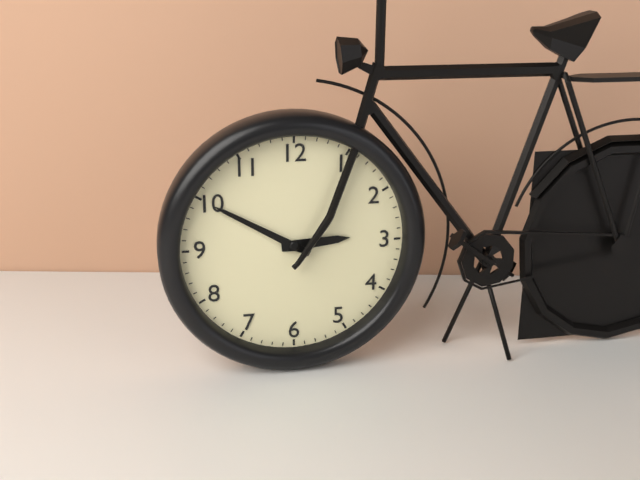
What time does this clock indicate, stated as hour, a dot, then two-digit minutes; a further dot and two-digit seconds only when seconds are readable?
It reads 2.50
